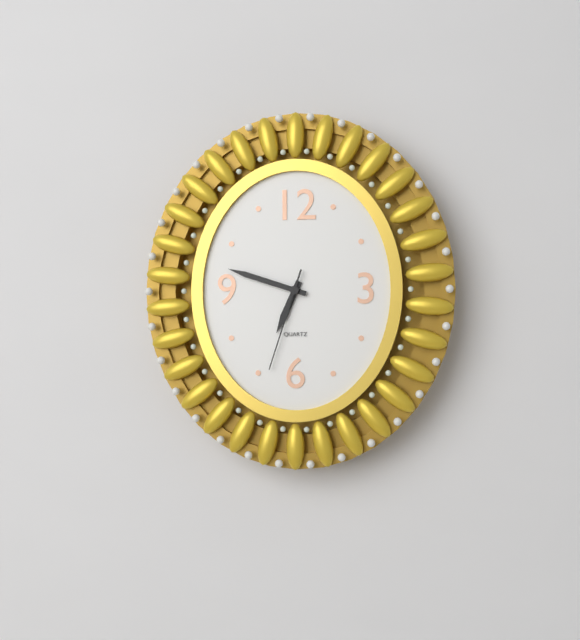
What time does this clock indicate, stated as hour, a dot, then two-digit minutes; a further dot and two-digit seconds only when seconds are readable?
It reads 6.48.33
